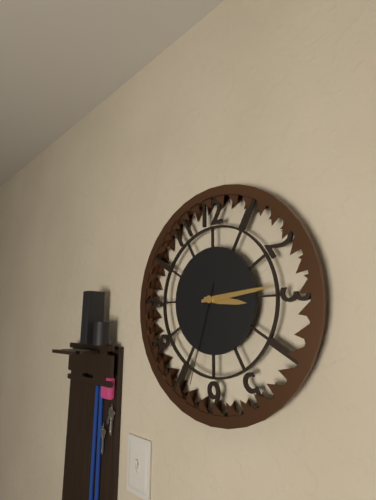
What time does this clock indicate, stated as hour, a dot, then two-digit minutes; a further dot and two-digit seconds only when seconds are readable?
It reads 3.14.33
